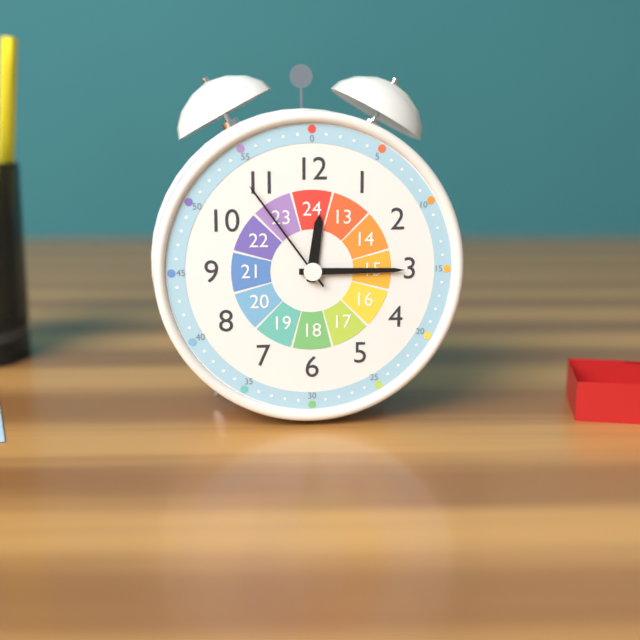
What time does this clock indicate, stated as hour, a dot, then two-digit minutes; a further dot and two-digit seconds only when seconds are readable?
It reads 12.15.54
